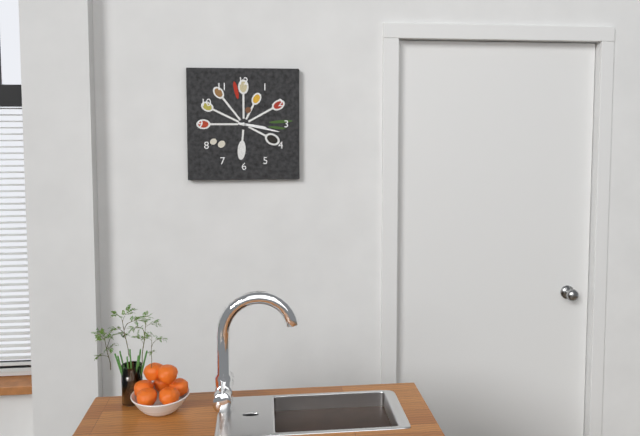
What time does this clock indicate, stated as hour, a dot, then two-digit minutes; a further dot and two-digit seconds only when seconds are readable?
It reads 3.17
